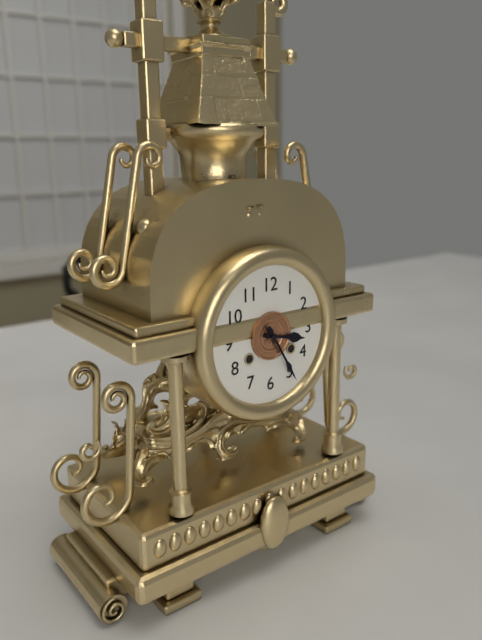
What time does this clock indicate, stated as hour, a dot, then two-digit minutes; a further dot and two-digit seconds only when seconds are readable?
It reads 3.25
